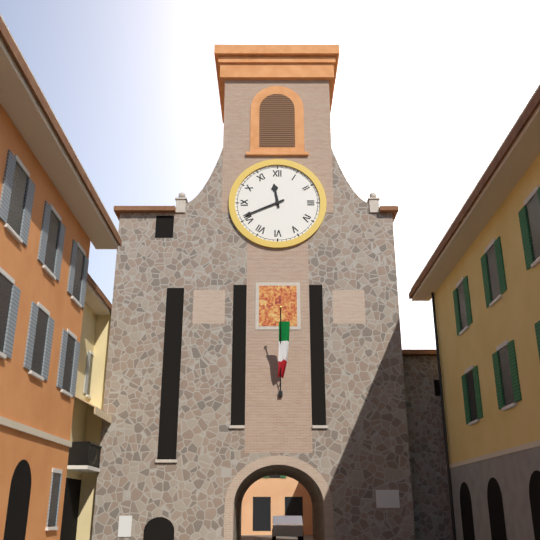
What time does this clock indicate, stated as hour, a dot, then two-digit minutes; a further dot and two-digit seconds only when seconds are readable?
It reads 11.41
